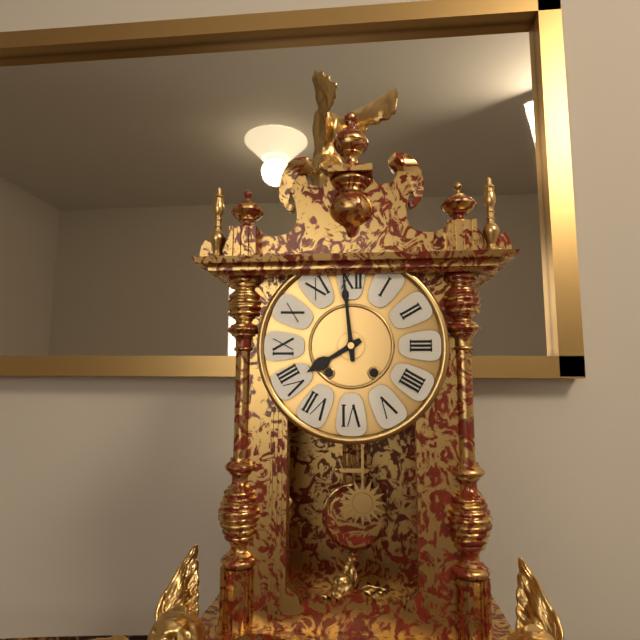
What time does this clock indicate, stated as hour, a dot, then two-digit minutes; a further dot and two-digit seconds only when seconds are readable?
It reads 7.59
